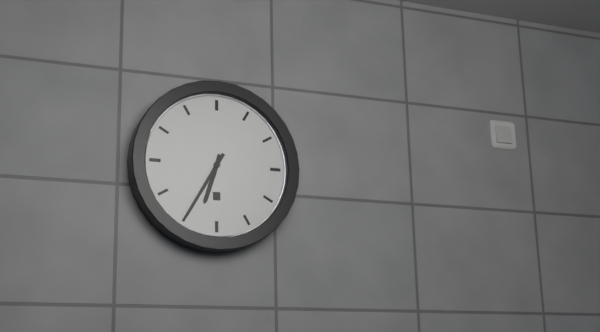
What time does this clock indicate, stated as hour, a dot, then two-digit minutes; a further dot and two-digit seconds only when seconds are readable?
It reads 6.35
